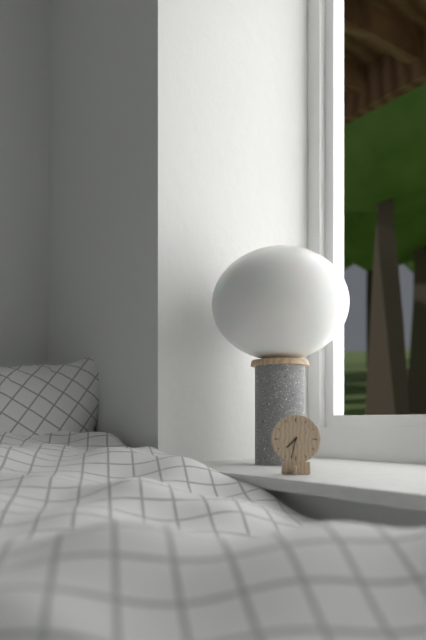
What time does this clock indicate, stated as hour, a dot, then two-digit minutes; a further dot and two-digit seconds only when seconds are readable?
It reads 7.32
